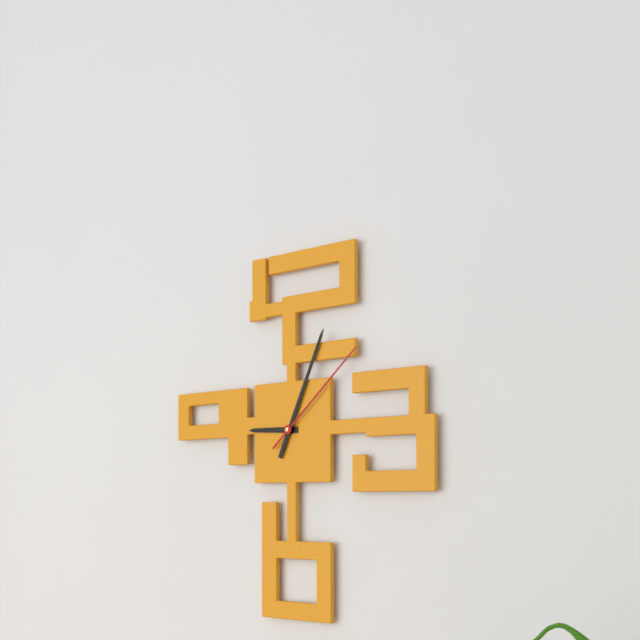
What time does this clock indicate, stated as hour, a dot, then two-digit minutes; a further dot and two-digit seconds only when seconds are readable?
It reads 9.04.08
